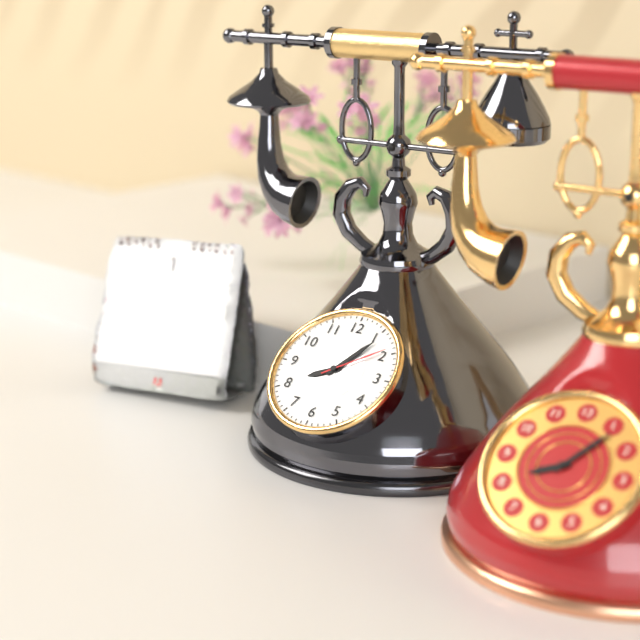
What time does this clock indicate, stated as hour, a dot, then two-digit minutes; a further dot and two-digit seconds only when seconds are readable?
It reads 8.06.09
